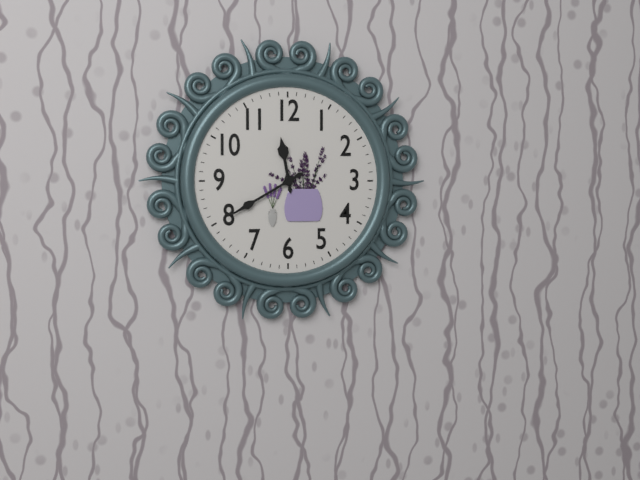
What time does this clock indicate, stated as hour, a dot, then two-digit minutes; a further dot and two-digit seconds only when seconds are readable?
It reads 11.40
